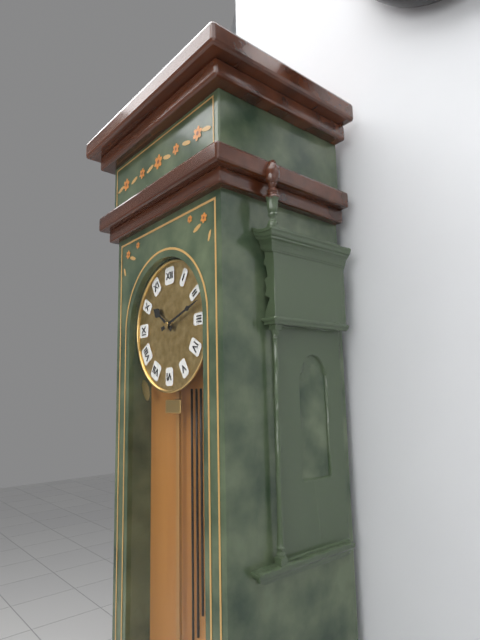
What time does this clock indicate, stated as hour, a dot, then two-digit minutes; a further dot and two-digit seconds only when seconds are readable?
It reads 10.12
